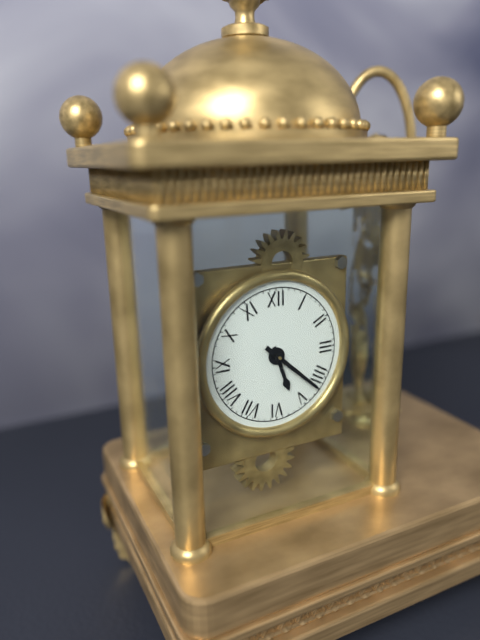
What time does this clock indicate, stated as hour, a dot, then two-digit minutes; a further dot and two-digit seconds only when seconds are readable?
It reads 5.22
